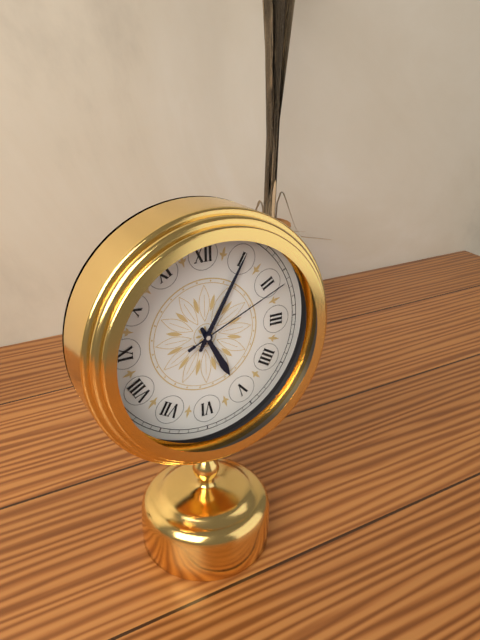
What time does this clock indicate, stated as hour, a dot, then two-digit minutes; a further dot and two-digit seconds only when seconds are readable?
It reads 5.05.11
